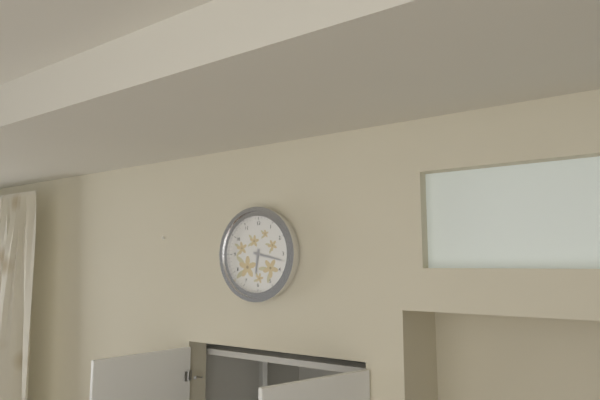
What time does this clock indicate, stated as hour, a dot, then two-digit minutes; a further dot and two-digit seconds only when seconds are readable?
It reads 6.17
